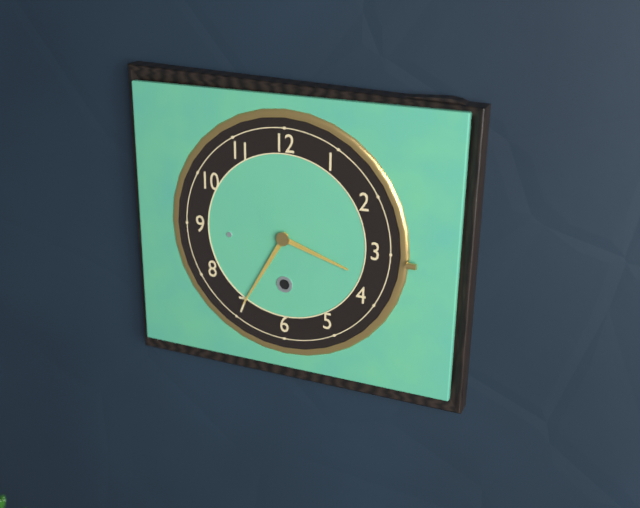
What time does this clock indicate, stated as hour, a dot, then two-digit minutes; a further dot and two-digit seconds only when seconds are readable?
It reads 3.35
